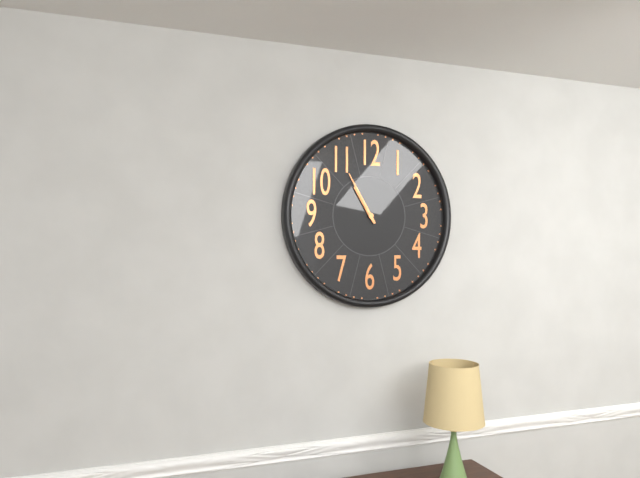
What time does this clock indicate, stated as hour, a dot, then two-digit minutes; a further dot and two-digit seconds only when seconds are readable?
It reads 10.55
